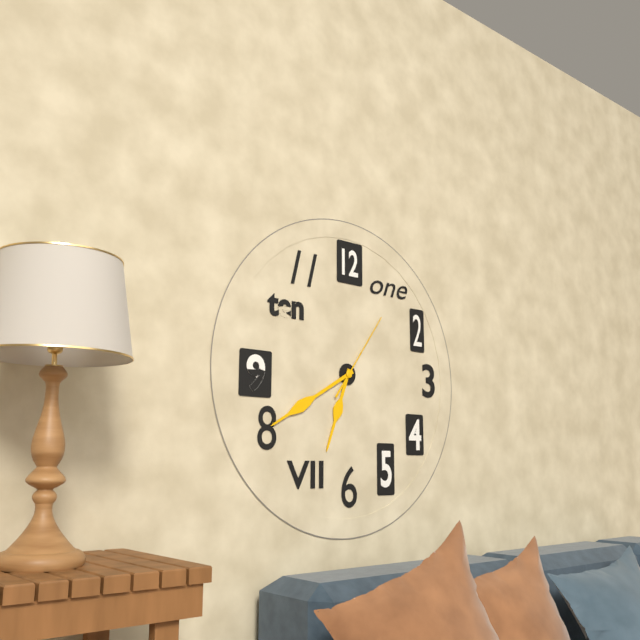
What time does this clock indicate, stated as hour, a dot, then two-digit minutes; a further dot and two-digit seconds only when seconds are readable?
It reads 6.40.06
